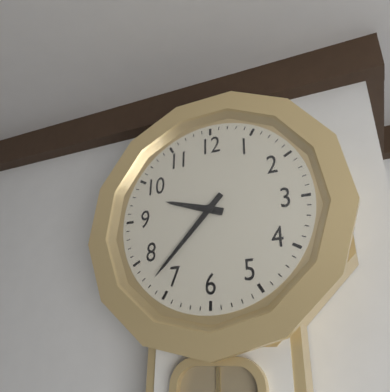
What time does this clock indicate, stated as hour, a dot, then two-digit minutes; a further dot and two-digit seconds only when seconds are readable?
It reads 9.37
